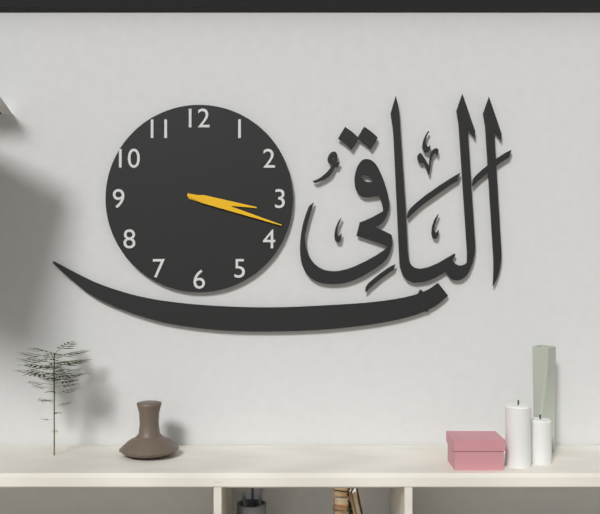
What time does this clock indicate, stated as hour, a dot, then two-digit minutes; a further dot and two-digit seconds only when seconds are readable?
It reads 3.18
